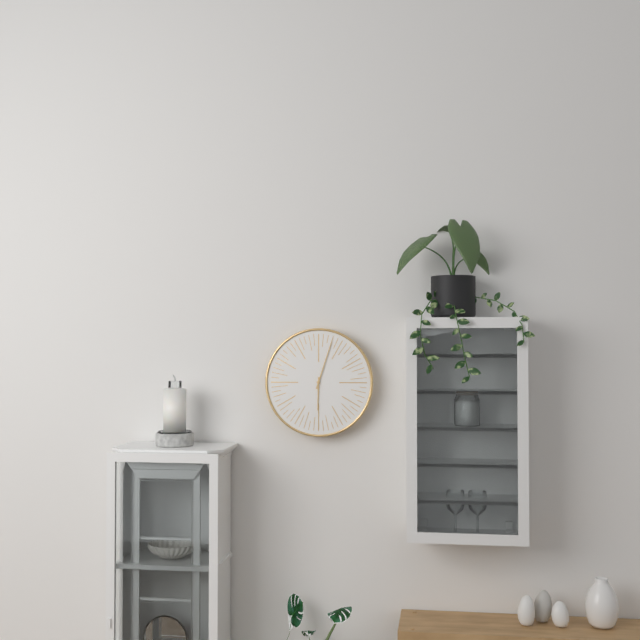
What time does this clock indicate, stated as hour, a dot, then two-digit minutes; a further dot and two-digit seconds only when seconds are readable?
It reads 6.03
